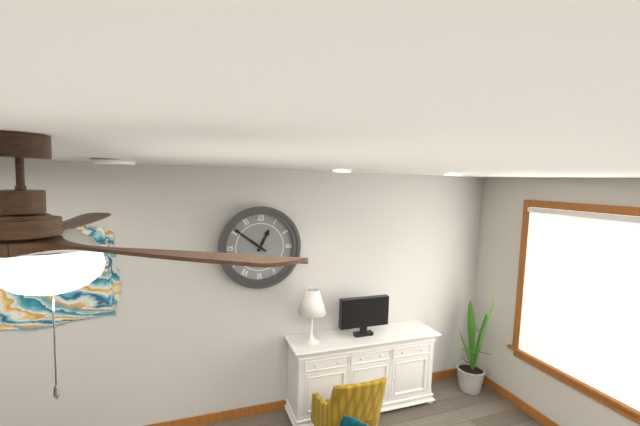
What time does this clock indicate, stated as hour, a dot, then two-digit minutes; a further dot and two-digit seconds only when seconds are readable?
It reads 12.51
